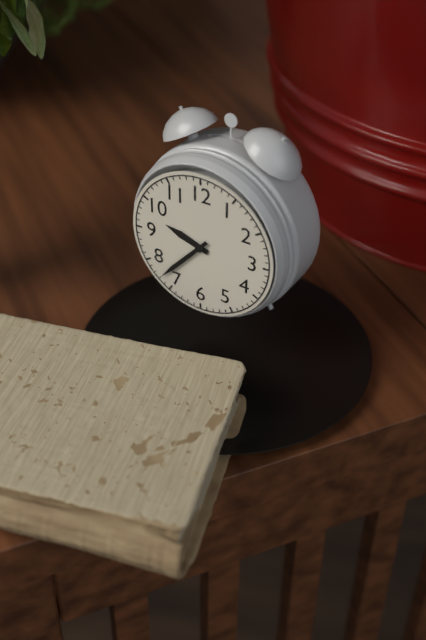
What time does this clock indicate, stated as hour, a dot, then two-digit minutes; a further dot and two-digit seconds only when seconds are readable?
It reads 9.37
